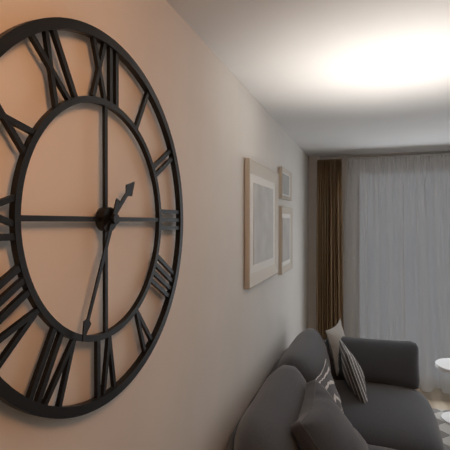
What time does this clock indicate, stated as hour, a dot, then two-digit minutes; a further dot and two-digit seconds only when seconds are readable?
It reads 1.34
